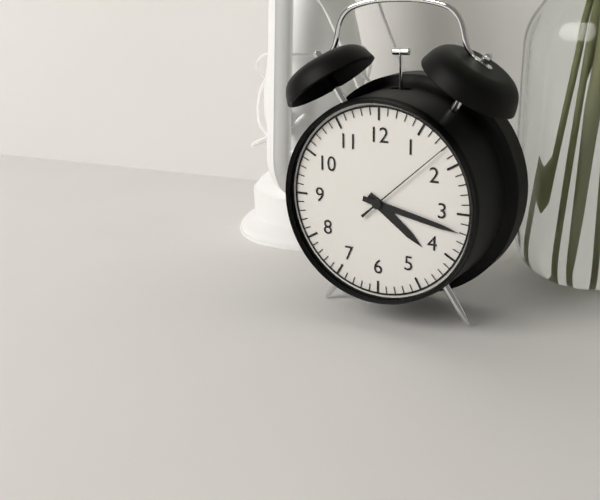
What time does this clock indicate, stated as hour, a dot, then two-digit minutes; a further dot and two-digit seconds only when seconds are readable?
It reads 4.17.08
